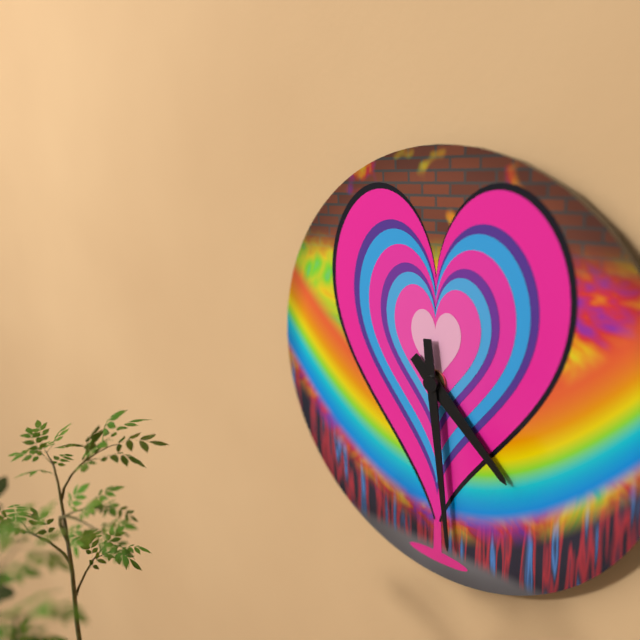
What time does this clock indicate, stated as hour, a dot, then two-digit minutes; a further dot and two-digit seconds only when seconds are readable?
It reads 4.29
